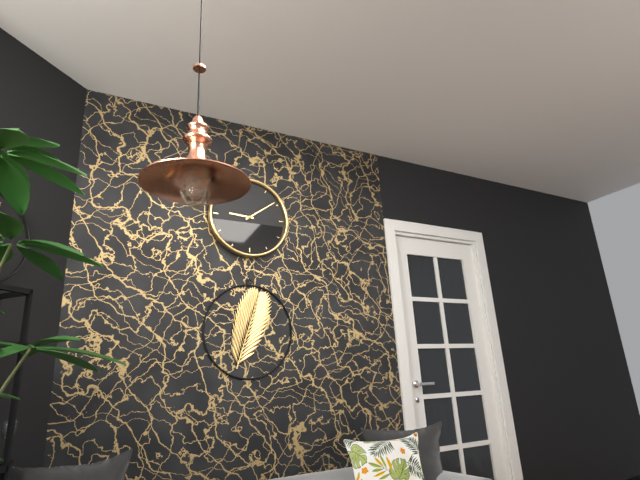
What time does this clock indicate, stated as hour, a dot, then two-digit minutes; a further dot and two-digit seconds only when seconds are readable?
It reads 9.09
